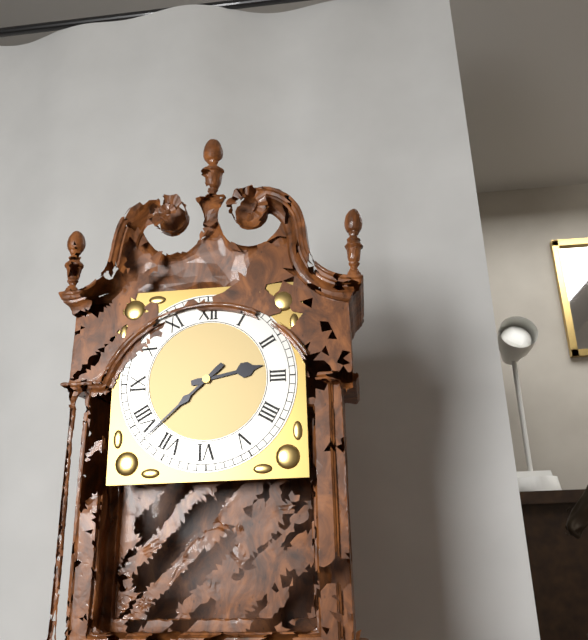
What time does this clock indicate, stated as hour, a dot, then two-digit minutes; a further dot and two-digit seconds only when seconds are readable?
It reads 2.38
